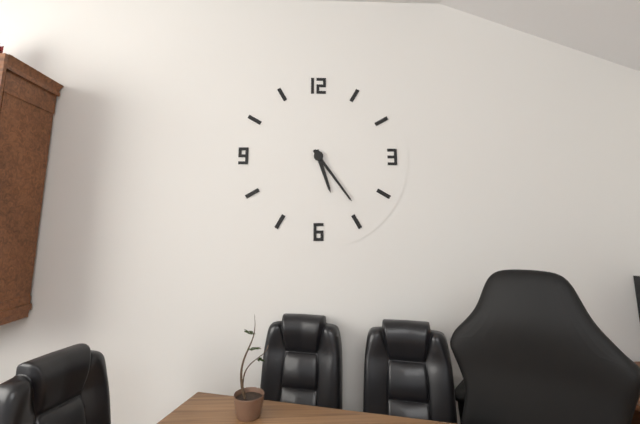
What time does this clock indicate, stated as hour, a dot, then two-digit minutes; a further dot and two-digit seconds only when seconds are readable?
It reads 5.24
